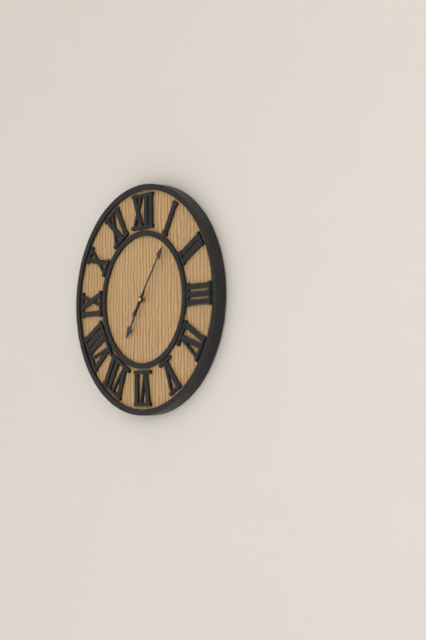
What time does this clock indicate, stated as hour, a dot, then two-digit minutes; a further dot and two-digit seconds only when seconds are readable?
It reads 7.06
